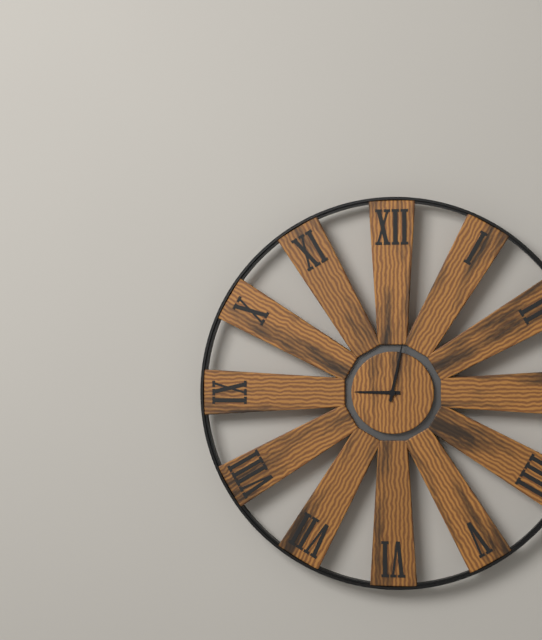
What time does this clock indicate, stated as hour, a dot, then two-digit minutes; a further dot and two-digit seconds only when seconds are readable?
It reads 9.02
